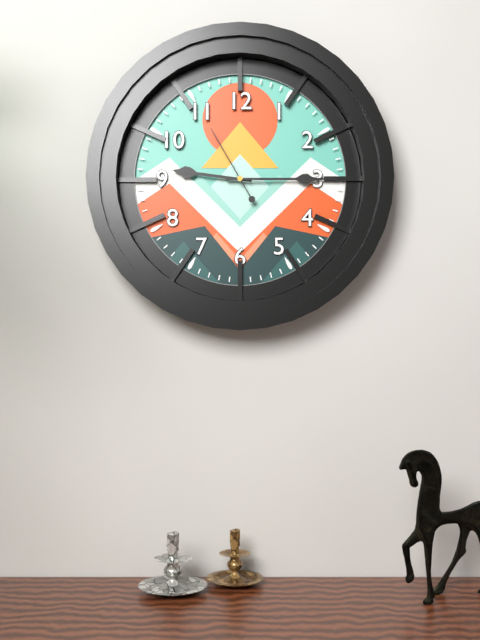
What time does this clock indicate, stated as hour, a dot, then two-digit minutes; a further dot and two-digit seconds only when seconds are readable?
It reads 9.15.55
